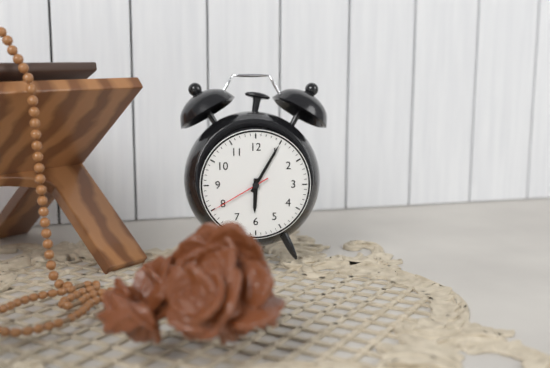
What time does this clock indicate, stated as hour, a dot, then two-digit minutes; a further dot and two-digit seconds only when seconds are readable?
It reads 6.05.40
